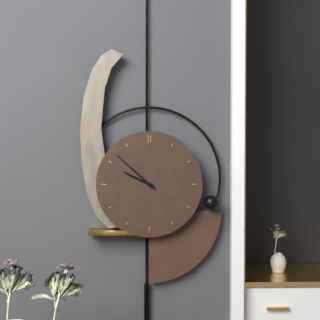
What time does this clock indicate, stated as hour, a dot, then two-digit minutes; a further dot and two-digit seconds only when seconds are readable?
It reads 9.52
